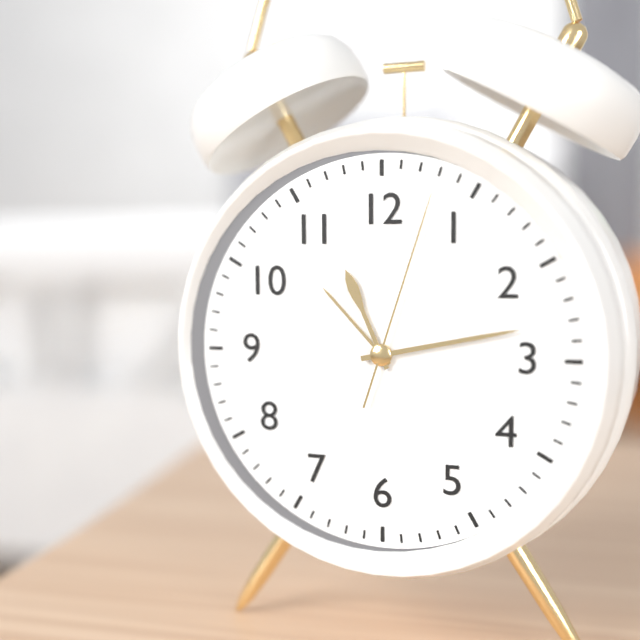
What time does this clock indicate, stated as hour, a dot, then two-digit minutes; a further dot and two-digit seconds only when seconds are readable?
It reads 11.13.03
